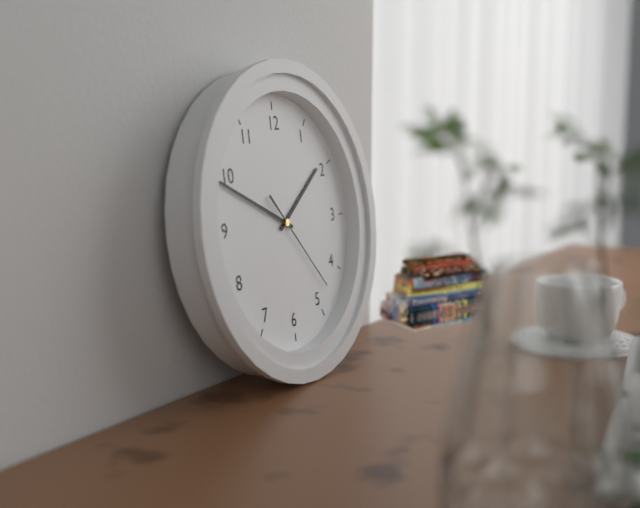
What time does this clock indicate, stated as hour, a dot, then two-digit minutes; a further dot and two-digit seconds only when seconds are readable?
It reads 1.49.23
